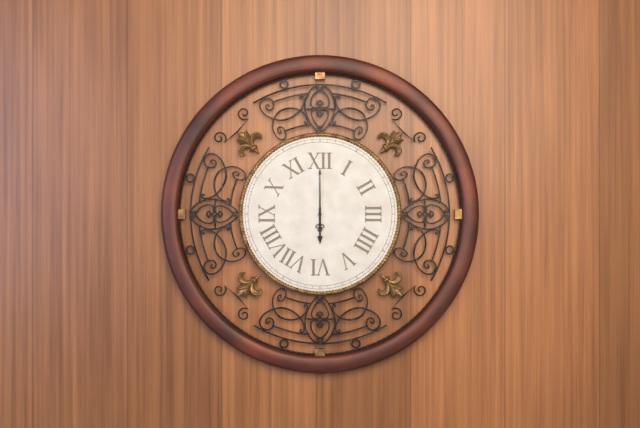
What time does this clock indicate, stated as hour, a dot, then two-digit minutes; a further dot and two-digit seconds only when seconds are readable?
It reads 6.00
